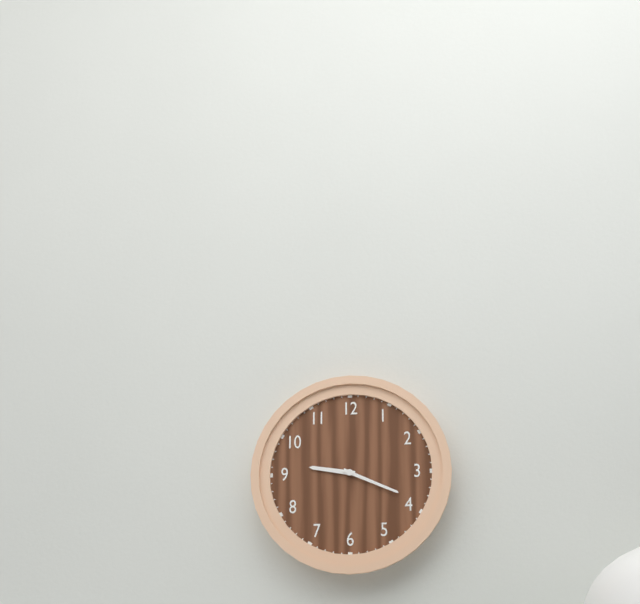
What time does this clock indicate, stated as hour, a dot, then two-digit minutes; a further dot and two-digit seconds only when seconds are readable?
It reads 9.19
